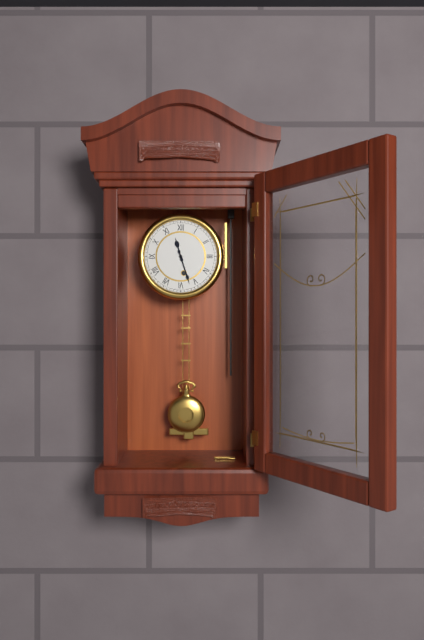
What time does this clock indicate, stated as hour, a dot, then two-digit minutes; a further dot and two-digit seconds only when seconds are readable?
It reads 11.27
